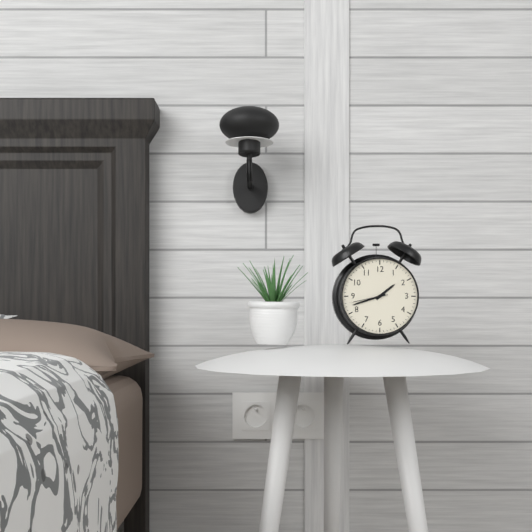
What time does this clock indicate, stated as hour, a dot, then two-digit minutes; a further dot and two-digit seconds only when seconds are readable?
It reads 1.42
